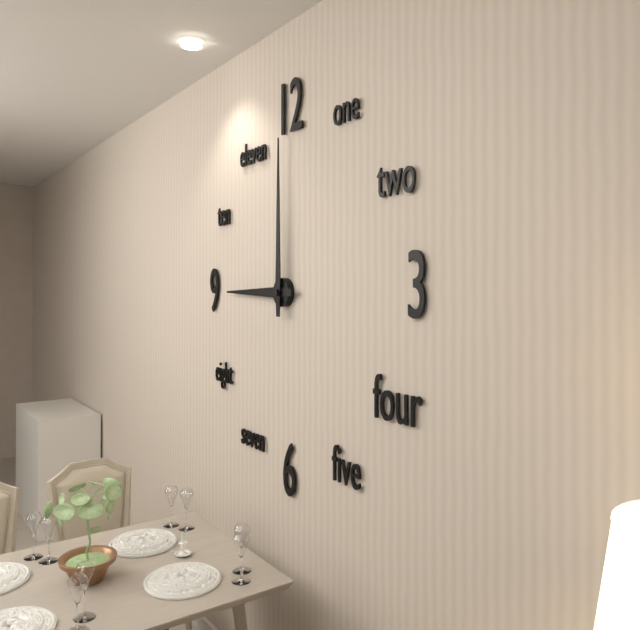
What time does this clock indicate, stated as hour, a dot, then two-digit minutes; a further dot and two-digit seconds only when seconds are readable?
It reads 9.00
